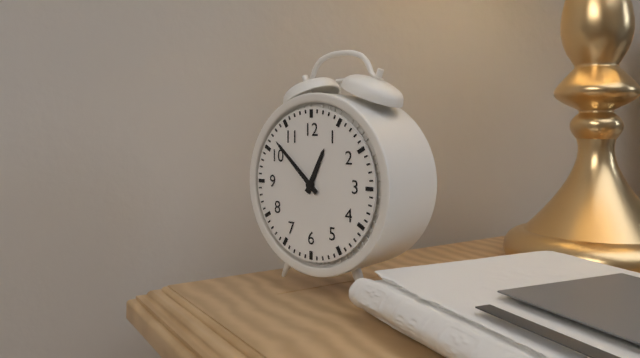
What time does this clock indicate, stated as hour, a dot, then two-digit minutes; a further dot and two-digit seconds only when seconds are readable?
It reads 12.52
